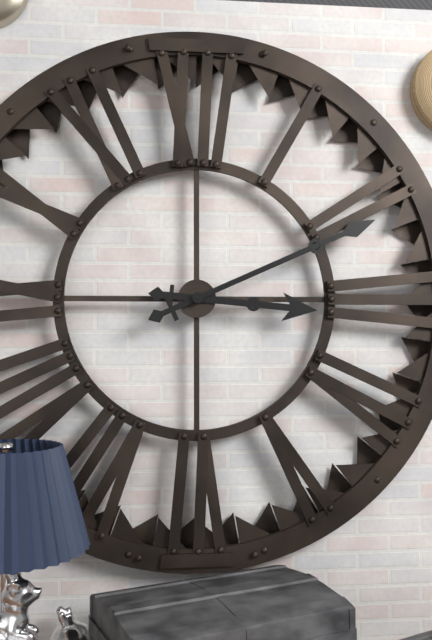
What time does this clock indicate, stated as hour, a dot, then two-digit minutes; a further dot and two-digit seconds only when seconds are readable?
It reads 3.11
